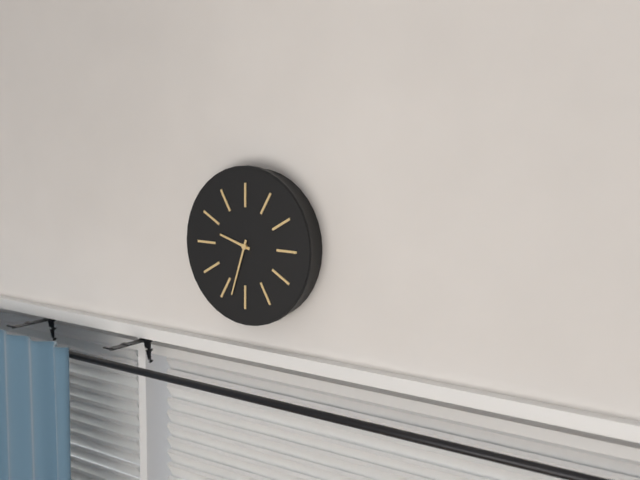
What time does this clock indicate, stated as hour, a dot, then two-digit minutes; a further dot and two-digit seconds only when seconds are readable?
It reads 9.33
